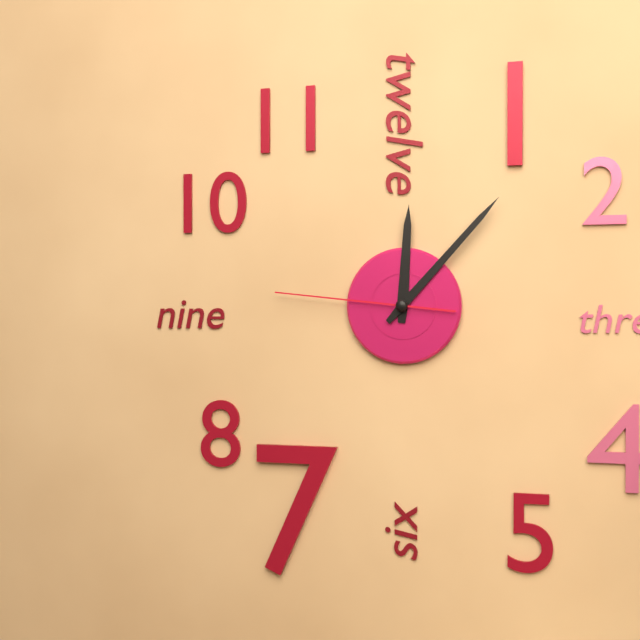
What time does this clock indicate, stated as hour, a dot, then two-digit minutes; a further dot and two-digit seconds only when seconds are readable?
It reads 12.07.46
